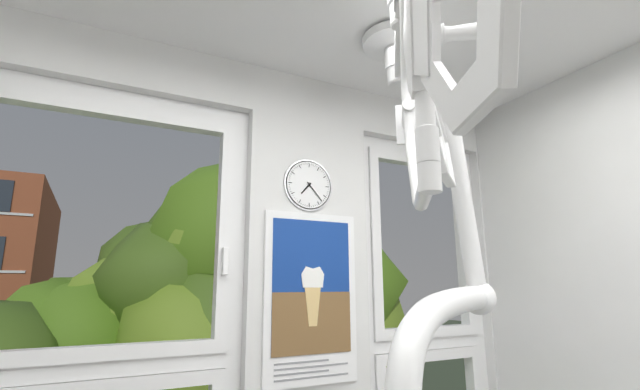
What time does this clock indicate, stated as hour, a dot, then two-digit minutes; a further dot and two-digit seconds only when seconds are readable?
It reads 7.23
